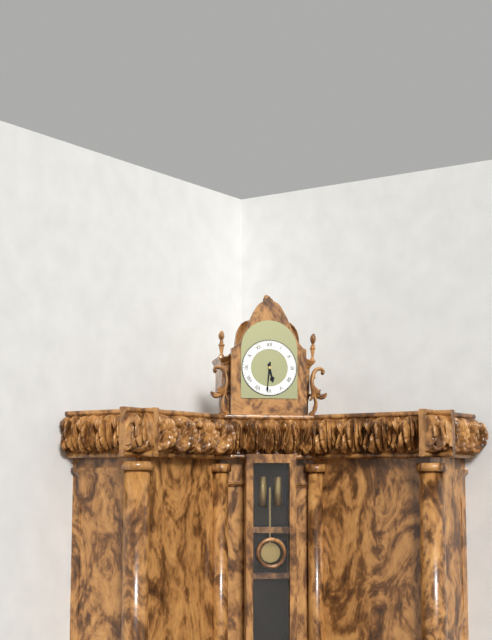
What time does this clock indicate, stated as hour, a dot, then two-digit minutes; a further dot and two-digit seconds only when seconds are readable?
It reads 5.31
